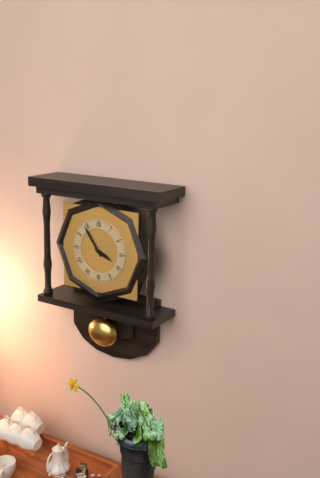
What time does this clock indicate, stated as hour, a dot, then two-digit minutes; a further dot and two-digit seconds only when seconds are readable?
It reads 3.54
